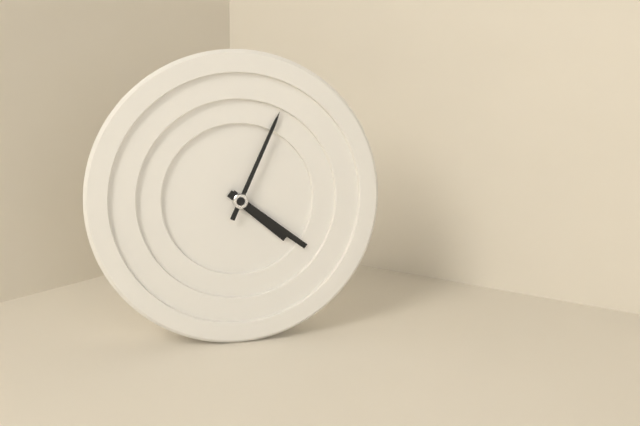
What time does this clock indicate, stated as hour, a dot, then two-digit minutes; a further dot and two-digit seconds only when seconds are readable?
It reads 4.21.04
